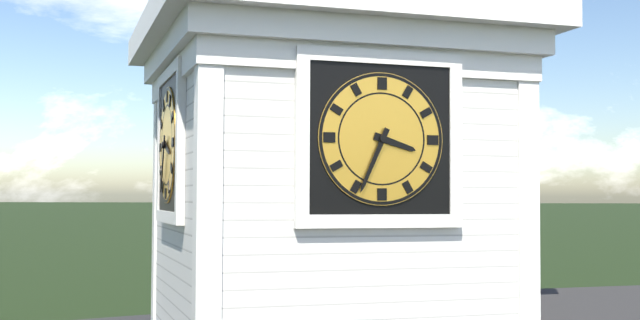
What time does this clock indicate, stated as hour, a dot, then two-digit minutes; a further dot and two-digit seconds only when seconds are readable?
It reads 3.34
